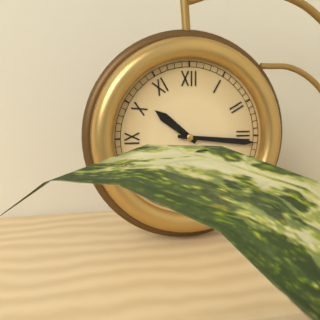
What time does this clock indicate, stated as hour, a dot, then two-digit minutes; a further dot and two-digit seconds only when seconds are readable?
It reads 10.16
